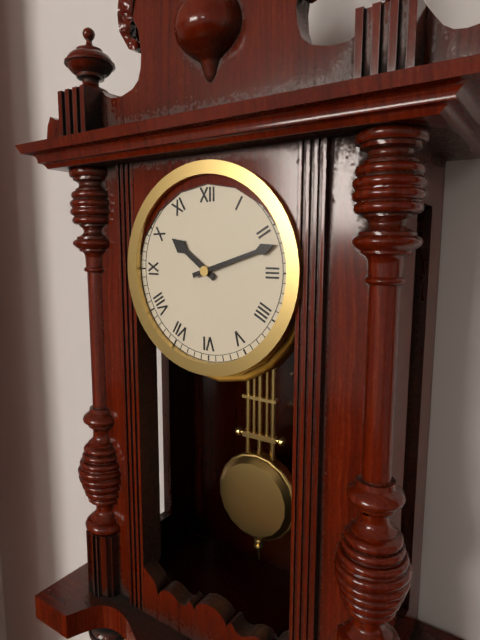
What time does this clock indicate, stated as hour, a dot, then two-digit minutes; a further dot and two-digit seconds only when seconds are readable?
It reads 10.12
